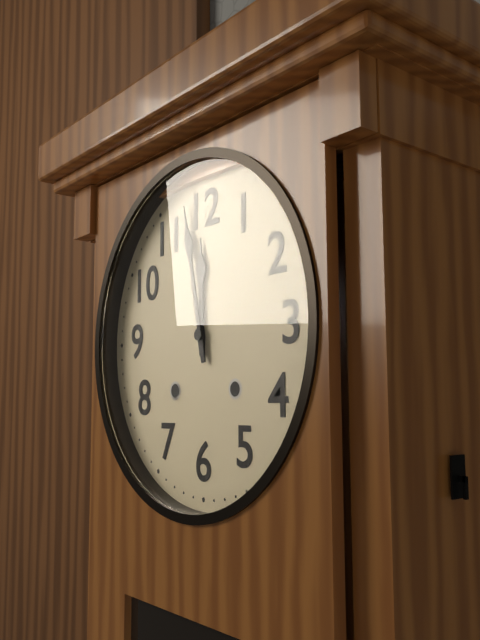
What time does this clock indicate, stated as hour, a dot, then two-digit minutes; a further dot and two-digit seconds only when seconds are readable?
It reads 11.58
